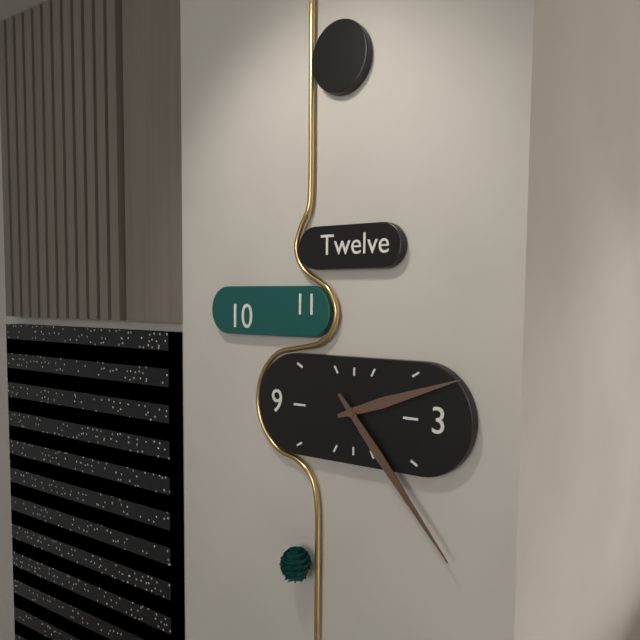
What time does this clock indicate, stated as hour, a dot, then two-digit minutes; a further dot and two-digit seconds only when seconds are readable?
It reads 2.23
